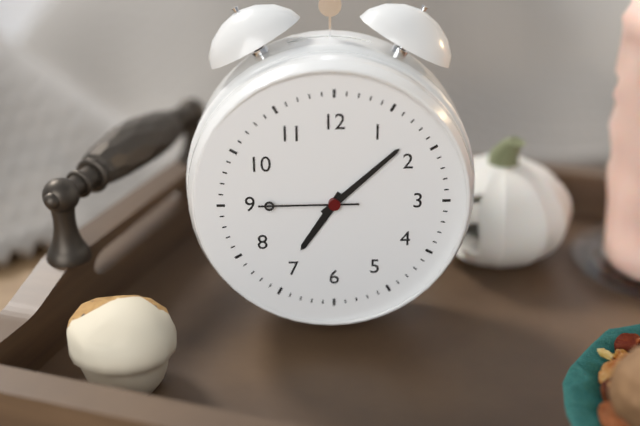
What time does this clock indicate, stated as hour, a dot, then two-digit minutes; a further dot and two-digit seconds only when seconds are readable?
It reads 7.08.45
